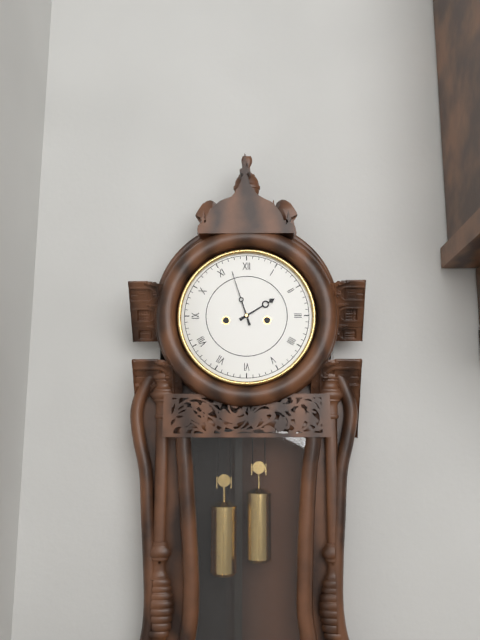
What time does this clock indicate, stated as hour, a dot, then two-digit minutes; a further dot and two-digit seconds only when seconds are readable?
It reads 1.57
